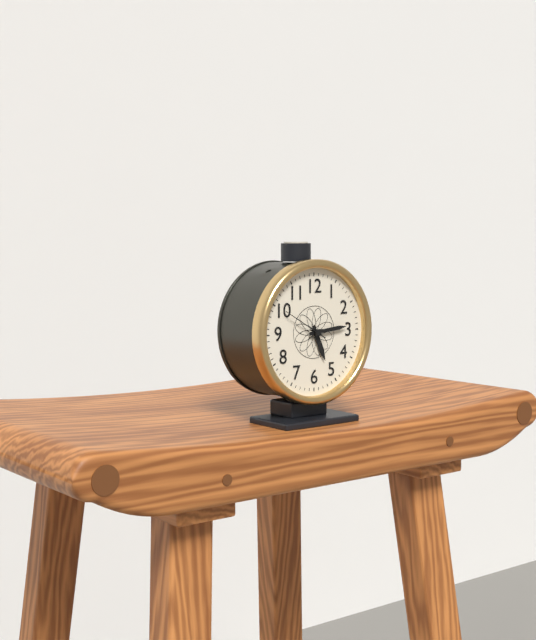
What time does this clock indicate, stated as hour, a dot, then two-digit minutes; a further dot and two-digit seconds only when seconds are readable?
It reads 5.14
